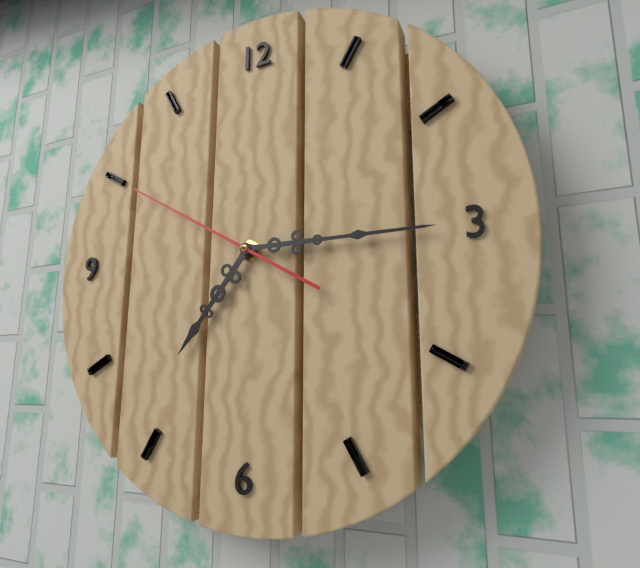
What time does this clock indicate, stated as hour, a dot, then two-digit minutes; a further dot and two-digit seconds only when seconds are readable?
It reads 7.15.50
